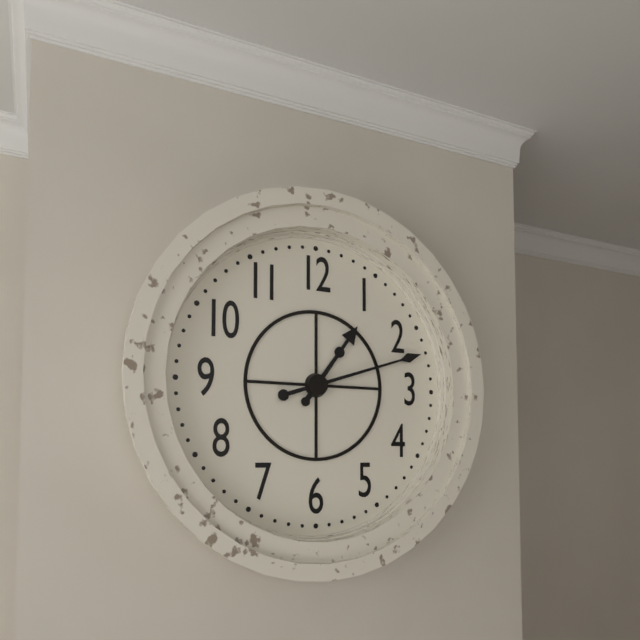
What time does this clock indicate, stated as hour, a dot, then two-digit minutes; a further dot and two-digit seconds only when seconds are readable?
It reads 1.12
